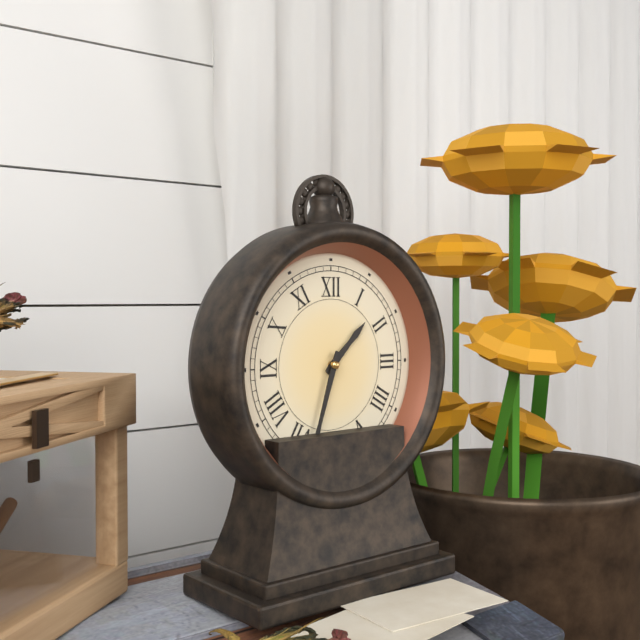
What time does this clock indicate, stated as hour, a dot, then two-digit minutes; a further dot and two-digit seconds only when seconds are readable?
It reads 1.33
